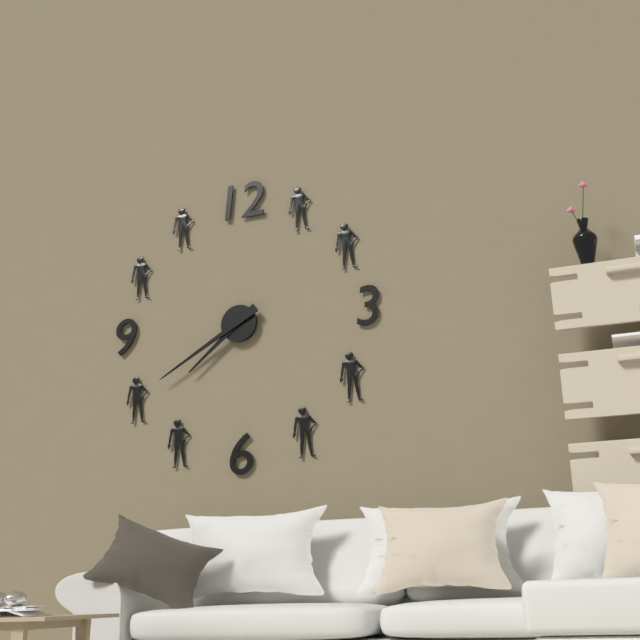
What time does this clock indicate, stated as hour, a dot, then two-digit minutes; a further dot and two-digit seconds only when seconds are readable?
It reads 7.40
